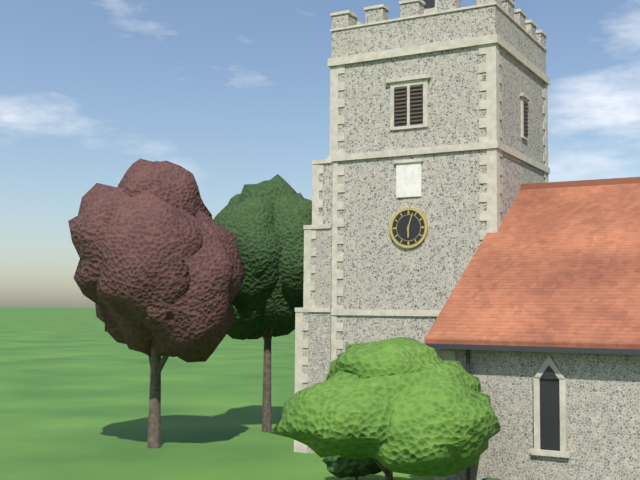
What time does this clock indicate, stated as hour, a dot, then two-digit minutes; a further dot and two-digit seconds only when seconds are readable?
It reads 6.03
